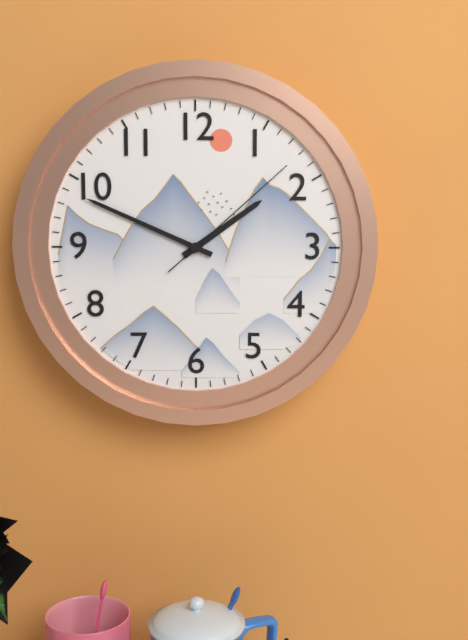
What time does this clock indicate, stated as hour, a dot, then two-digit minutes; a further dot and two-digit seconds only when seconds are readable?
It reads 1.49.08
